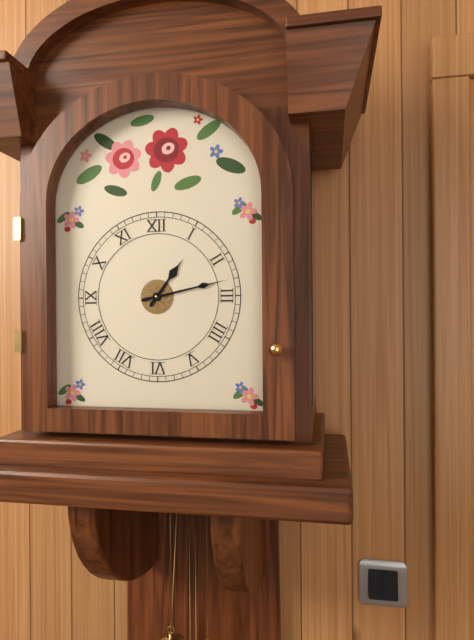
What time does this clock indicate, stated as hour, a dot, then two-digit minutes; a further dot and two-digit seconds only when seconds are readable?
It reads 1.13
